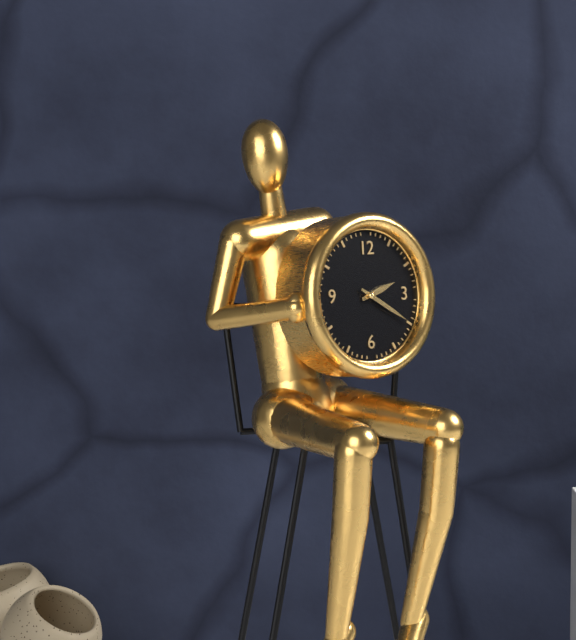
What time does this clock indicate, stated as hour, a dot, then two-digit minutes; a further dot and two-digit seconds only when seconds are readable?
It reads 2.20
